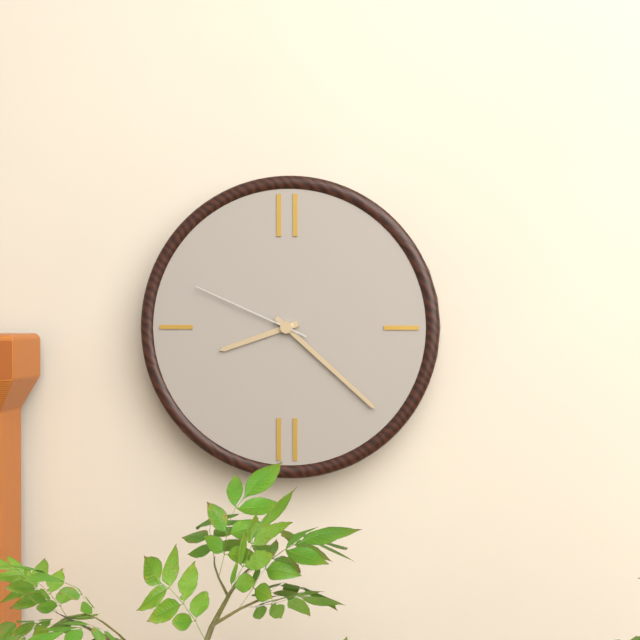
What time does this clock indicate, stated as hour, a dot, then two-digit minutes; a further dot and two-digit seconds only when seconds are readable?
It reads 8.22.49
